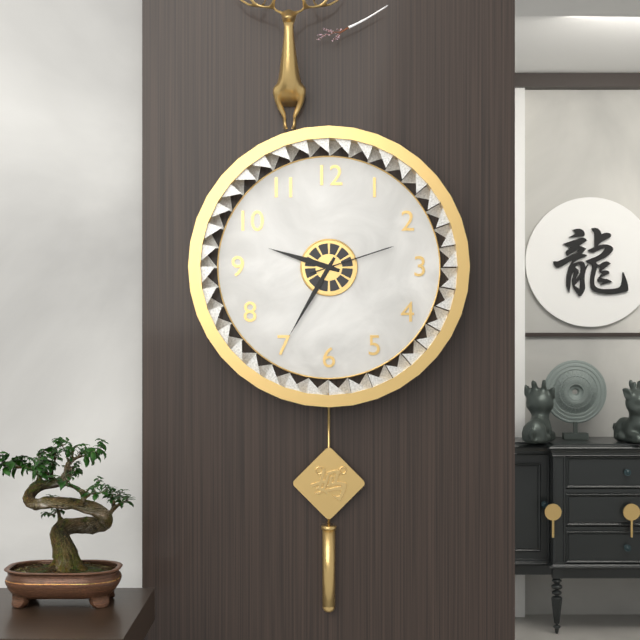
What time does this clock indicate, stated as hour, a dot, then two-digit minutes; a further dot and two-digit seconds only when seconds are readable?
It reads 9.35.12
